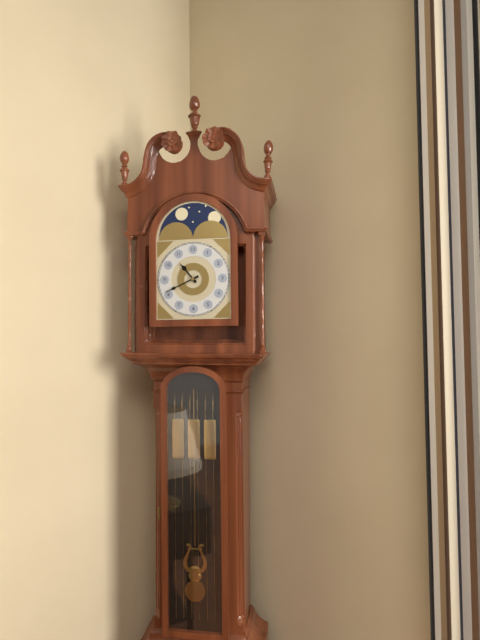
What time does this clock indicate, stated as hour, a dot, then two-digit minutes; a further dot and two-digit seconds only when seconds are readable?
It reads 10.41
